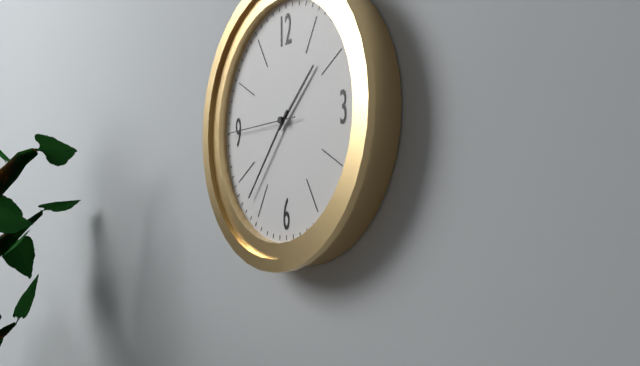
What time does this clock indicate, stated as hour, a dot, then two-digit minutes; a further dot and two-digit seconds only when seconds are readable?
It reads 1.37.45
